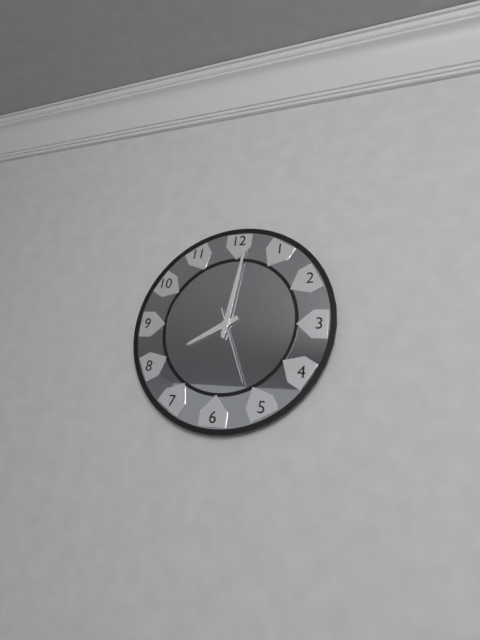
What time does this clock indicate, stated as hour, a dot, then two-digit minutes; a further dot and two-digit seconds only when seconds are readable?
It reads 8.01.26
